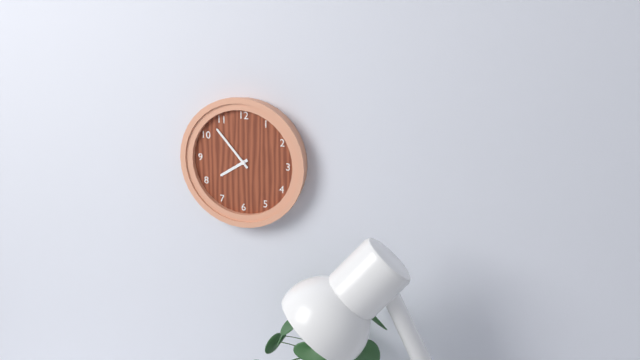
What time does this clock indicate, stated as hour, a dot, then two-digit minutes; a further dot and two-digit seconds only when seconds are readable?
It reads 7.53
